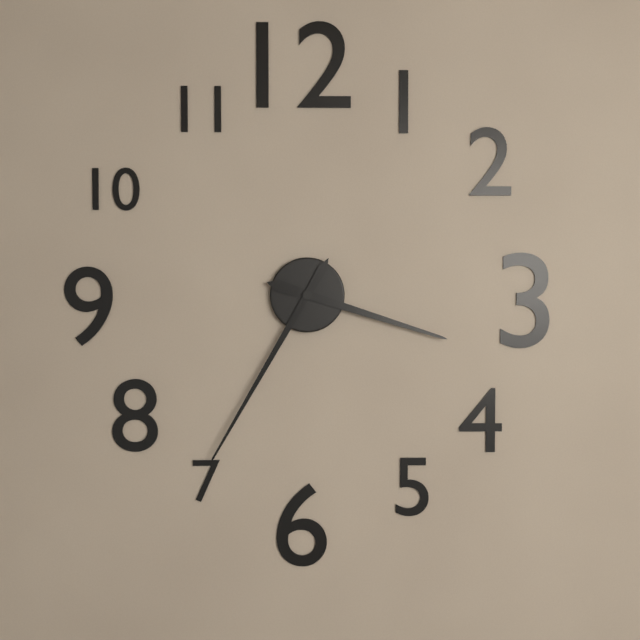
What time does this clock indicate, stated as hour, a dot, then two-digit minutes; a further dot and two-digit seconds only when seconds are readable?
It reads 3.35
